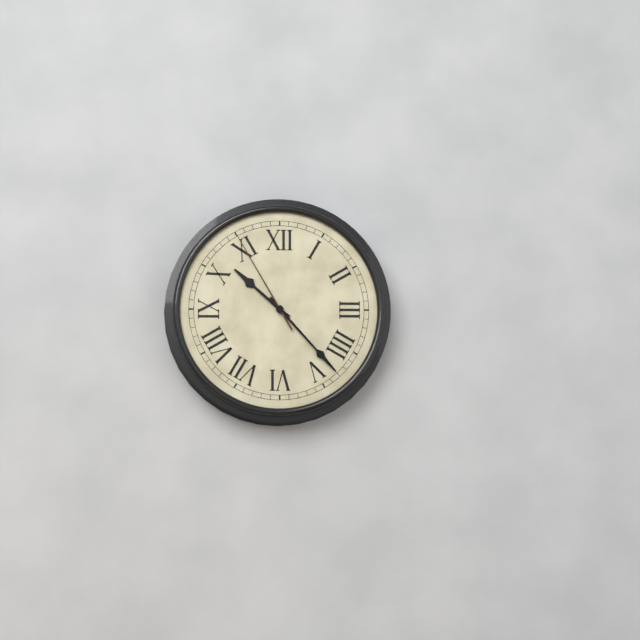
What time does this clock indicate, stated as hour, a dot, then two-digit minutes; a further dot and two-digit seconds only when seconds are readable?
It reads 10.23.55
